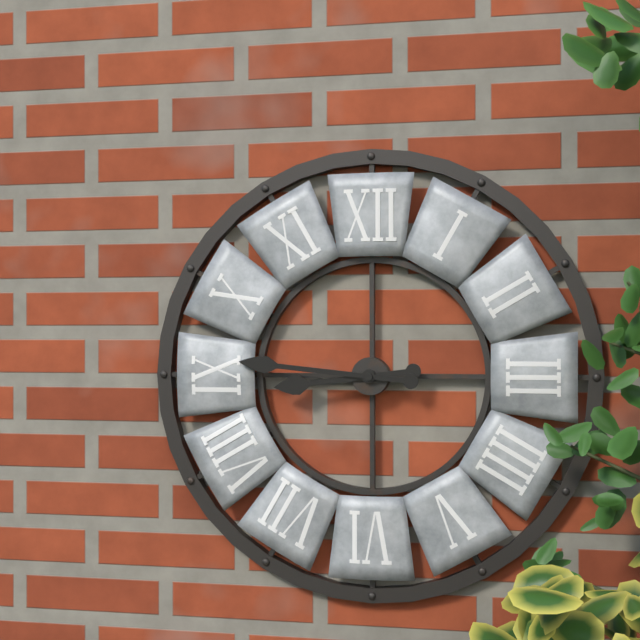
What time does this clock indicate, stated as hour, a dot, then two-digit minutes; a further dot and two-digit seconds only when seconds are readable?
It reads 8.46
